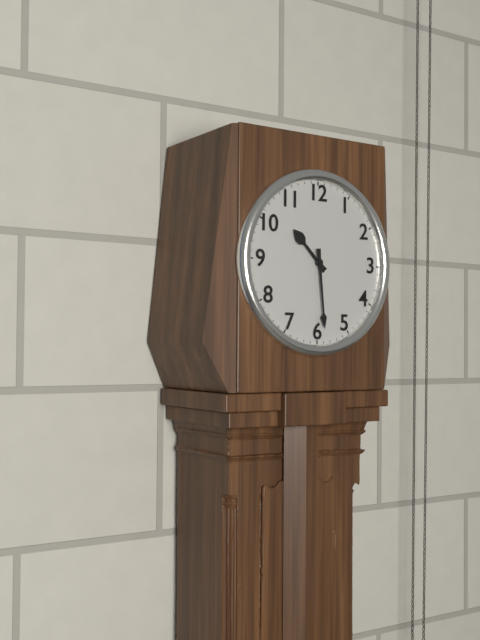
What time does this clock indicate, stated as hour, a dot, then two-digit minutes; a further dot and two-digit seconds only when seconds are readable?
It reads 10.29
